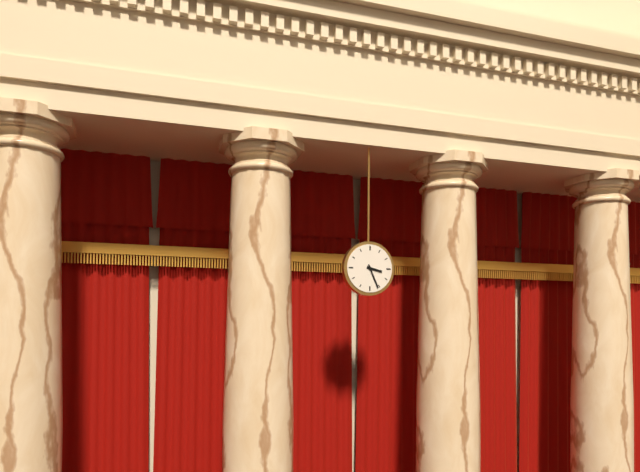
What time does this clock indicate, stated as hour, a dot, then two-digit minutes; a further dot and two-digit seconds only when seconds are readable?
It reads 3.26
